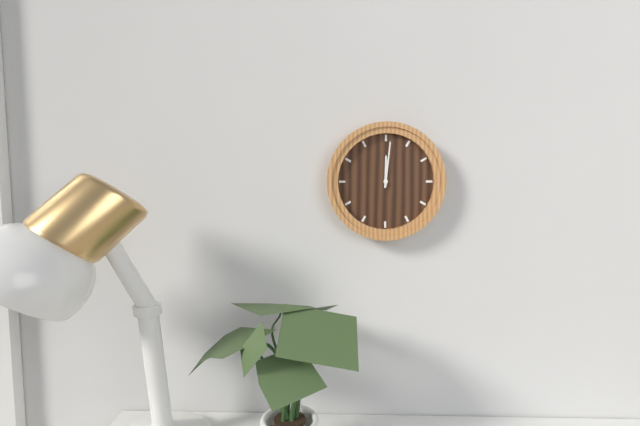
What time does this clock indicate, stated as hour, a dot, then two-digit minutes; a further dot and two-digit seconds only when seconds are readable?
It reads 12.01
